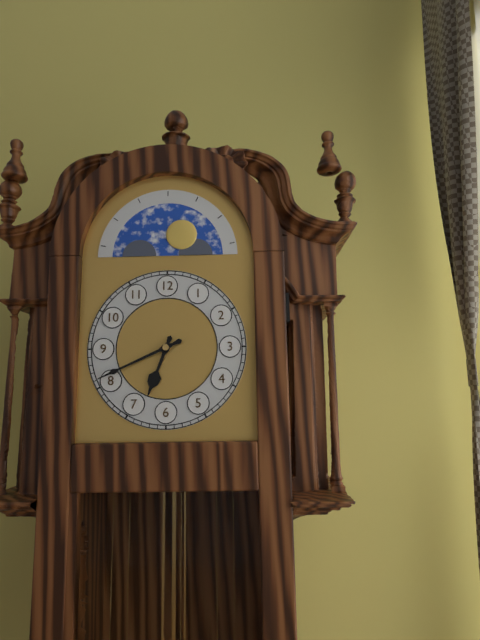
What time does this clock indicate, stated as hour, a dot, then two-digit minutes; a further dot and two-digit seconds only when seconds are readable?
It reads 6.41
